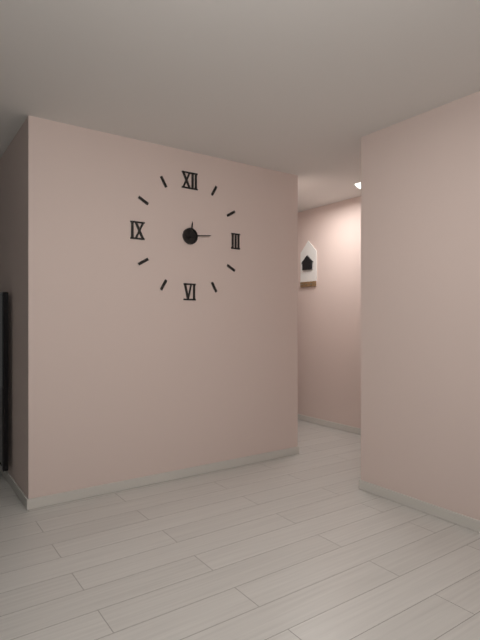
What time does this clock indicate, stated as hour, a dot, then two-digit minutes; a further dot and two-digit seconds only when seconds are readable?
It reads 12.14
